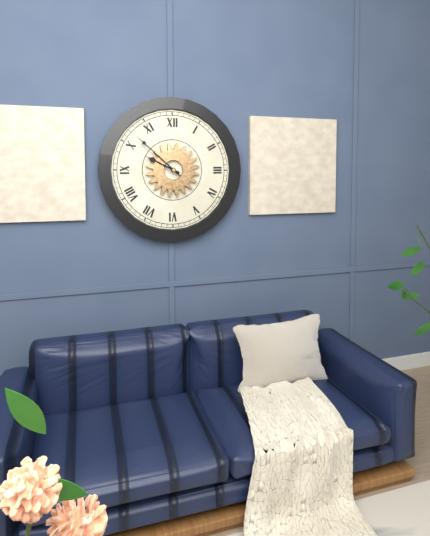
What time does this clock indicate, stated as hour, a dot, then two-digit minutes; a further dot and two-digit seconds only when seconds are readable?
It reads 9.52
